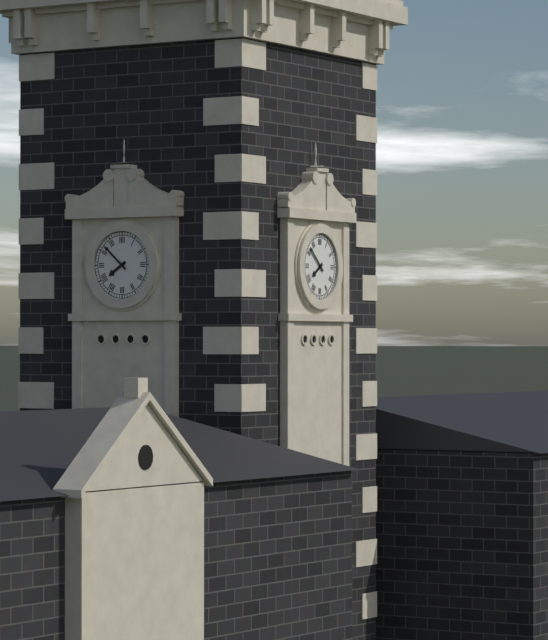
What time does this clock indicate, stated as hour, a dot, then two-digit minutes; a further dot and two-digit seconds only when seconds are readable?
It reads 7.52
